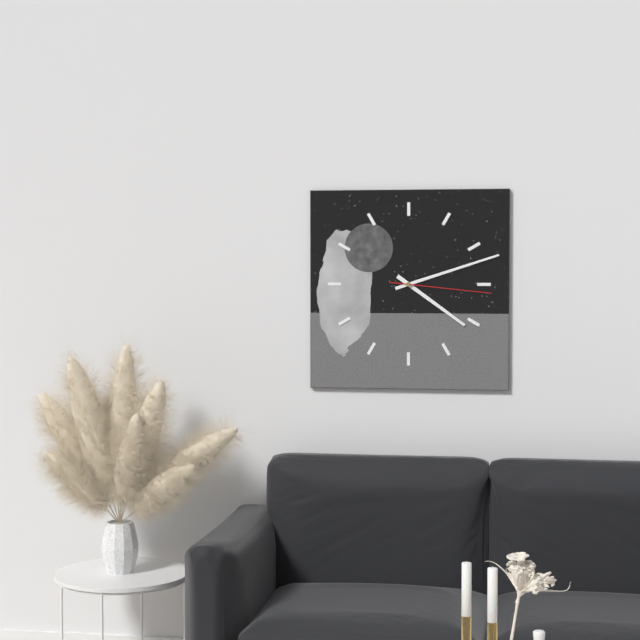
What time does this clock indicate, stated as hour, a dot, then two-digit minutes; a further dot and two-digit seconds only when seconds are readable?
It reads 4.12.16
